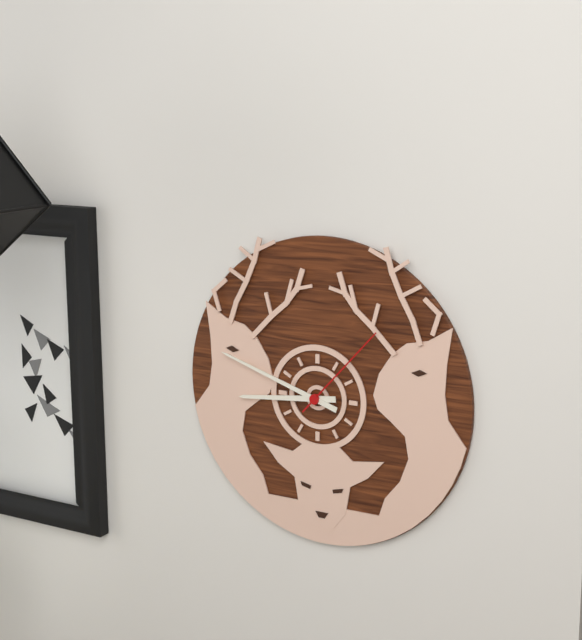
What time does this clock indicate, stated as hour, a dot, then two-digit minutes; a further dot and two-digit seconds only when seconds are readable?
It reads 8.48.07
